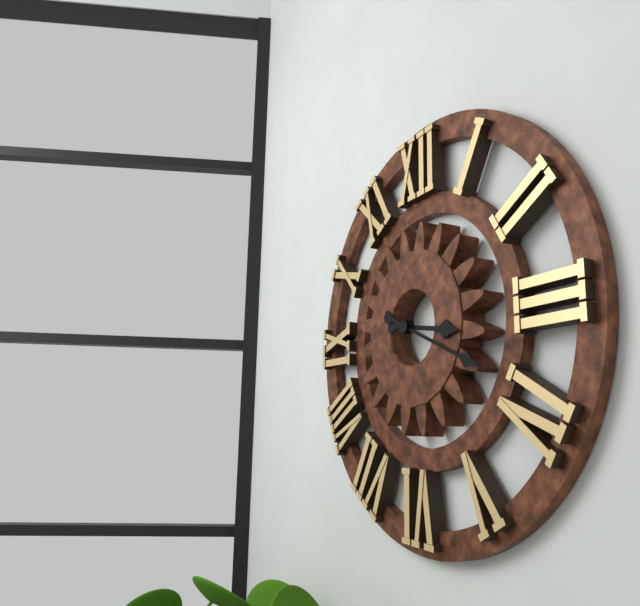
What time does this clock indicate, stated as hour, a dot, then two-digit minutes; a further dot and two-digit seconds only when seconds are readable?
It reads 3.19
